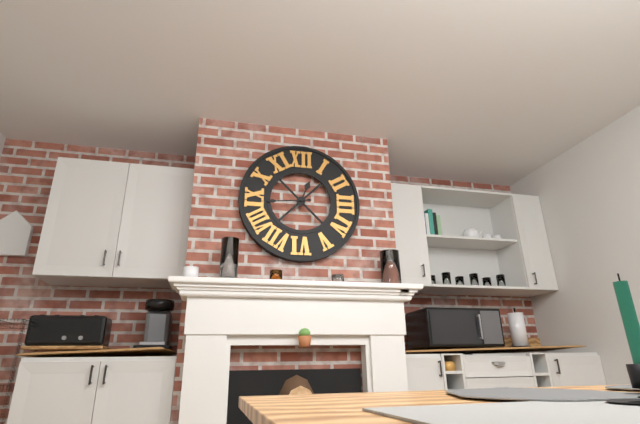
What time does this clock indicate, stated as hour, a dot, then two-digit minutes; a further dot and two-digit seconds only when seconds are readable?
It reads 12.44
